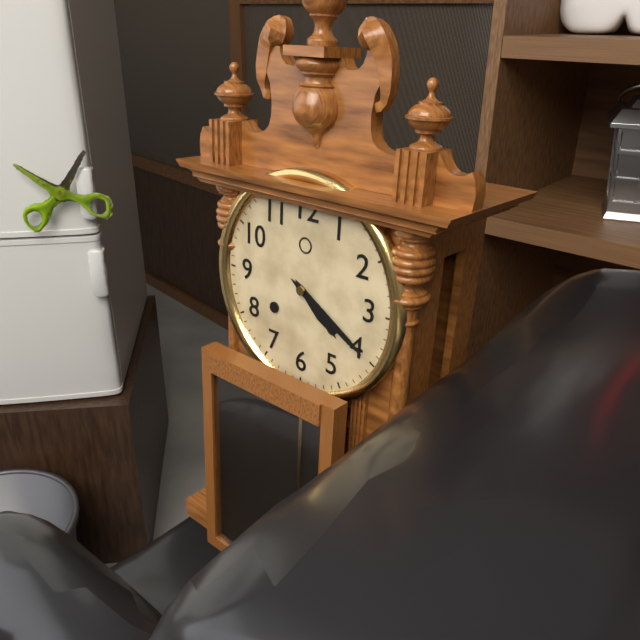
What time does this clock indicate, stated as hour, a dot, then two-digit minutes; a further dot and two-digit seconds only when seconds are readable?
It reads 4.20
